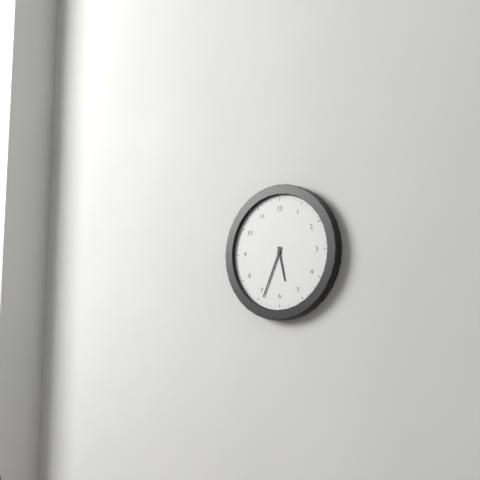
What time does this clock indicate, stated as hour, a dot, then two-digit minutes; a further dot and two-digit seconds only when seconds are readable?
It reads 5.34
